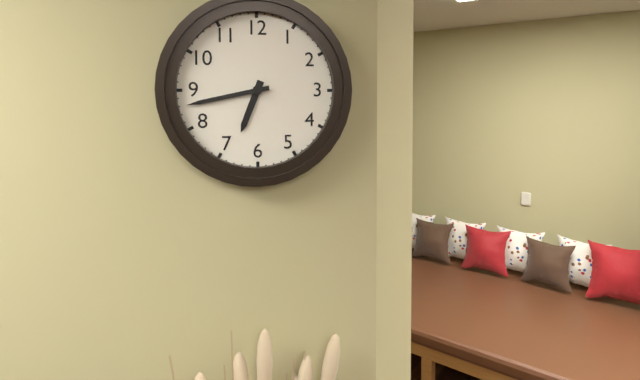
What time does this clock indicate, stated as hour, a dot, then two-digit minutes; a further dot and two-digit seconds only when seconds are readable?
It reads 6.43
